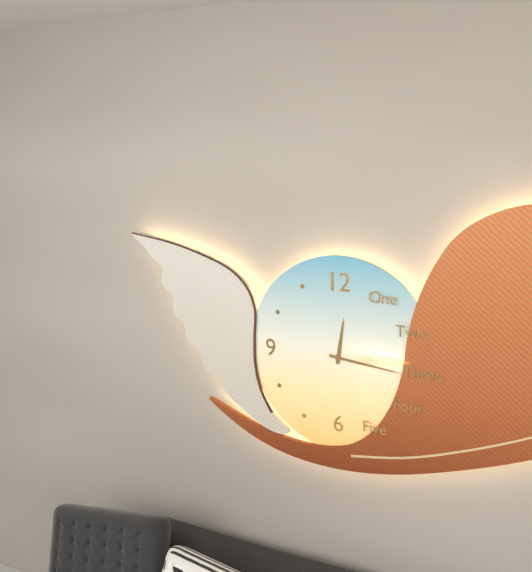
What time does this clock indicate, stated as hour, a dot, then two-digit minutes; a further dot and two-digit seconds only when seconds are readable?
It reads 12.16
